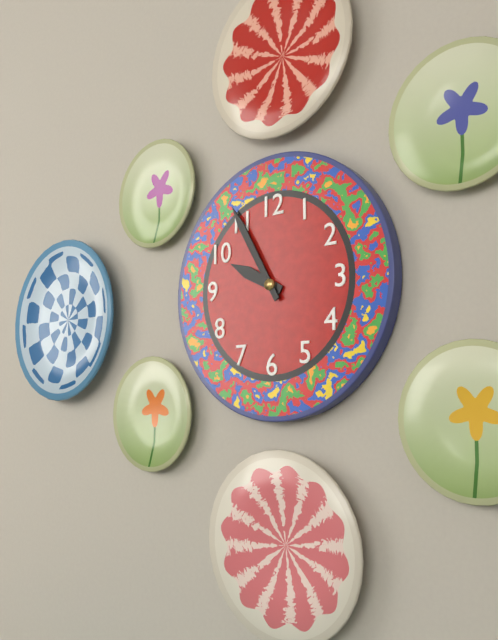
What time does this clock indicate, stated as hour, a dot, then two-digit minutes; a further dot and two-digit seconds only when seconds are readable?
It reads 9.55
